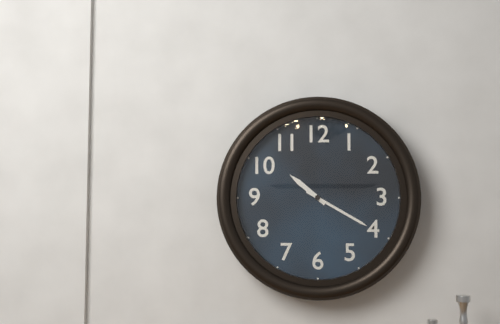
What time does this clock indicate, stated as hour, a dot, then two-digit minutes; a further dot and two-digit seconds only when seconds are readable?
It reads 10.20
